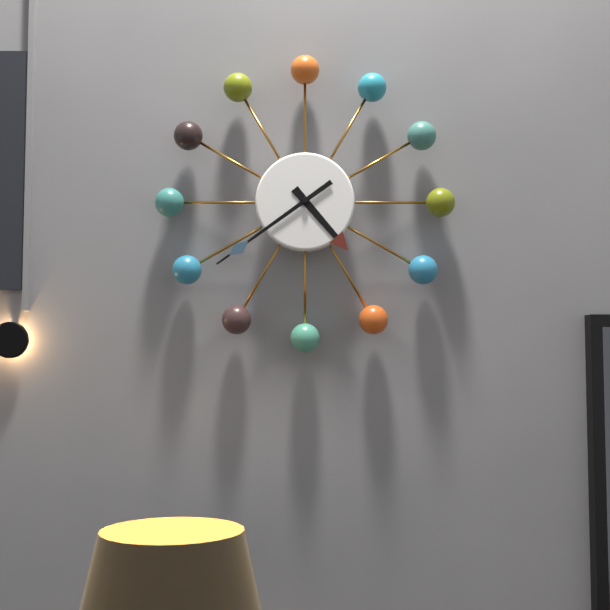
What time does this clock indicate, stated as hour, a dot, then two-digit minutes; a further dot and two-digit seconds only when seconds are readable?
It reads 4.39
